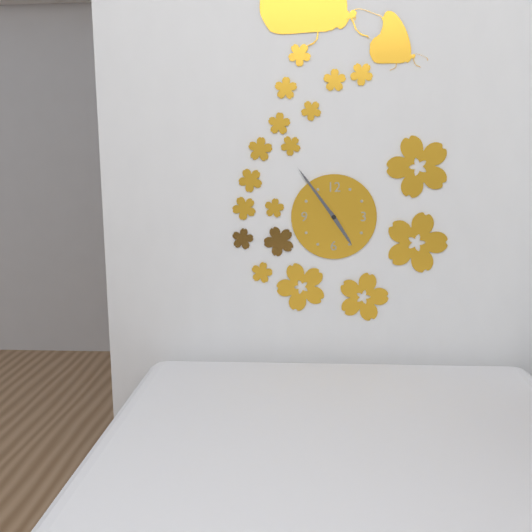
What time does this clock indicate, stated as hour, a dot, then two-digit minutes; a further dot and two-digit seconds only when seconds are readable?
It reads 4.54
